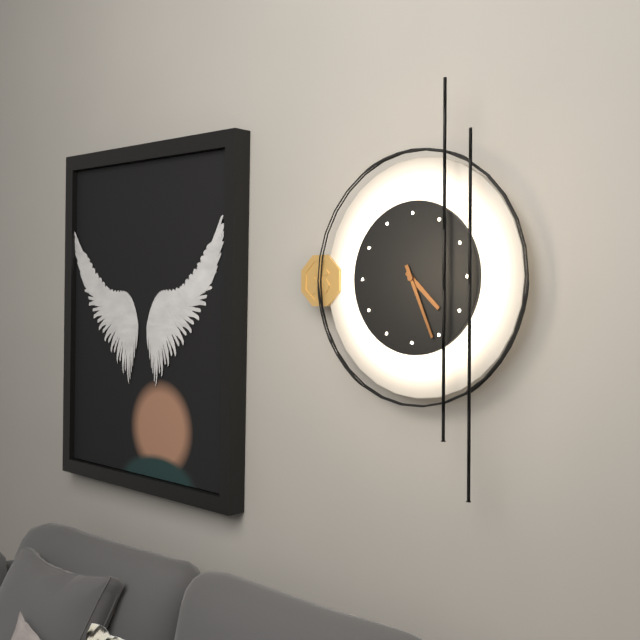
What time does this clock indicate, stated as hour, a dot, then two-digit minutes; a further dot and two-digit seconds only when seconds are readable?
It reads 4.26
